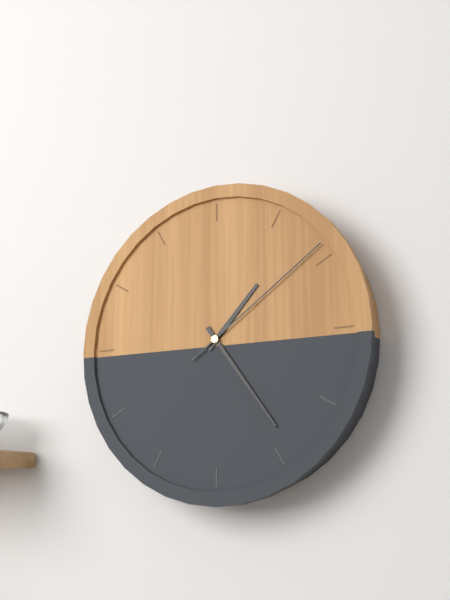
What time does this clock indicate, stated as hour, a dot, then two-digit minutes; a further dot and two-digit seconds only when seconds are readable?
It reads 1.24.09
